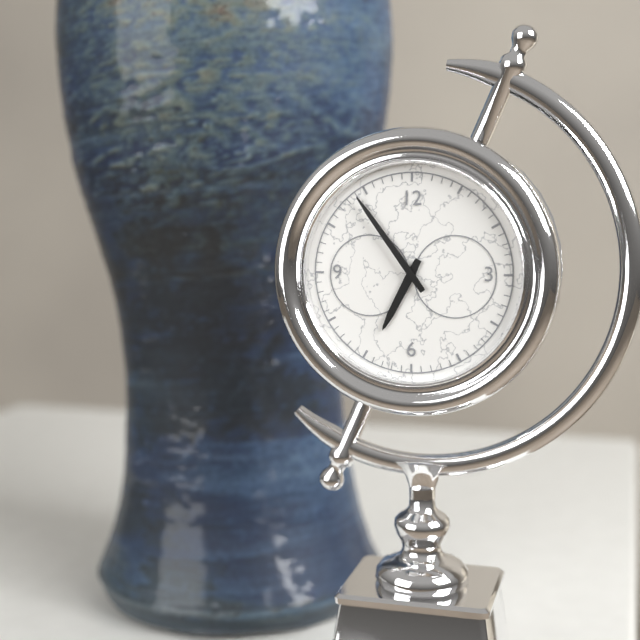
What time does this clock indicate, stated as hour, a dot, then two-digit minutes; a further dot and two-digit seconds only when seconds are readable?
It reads 6.54
